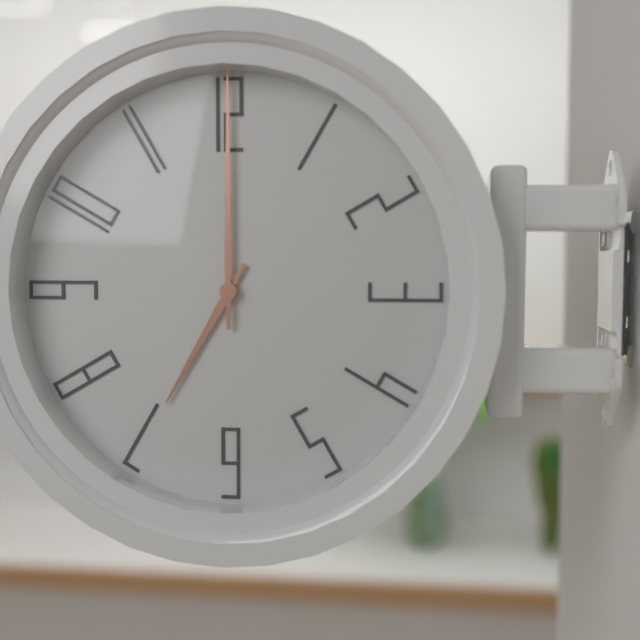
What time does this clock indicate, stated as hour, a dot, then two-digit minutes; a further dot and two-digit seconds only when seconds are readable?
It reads 7.00
